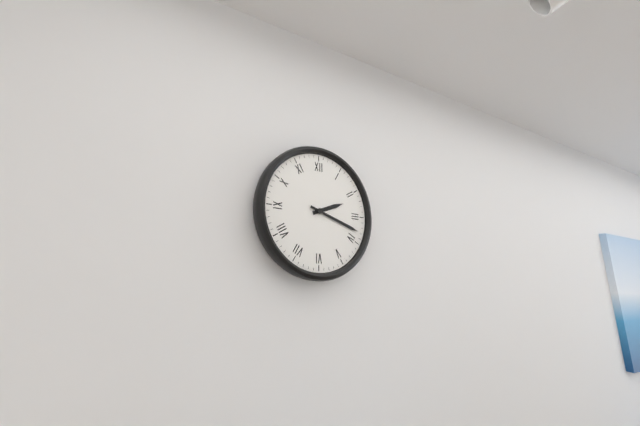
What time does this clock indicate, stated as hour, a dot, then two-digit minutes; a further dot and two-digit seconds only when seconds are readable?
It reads 2.18
